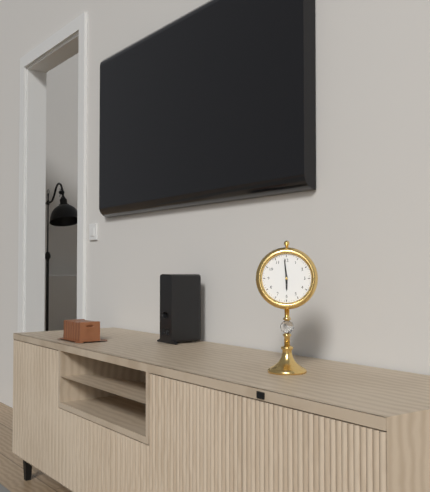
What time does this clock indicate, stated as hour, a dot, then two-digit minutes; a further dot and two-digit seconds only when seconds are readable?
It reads 5.59
